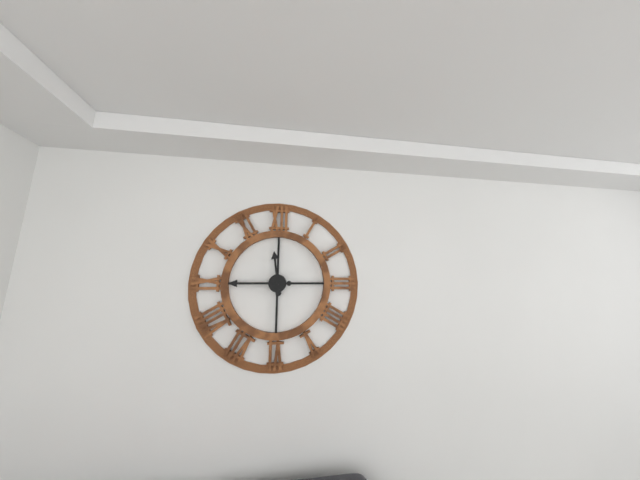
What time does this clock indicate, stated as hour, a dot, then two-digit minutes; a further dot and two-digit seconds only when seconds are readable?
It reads 11.45
